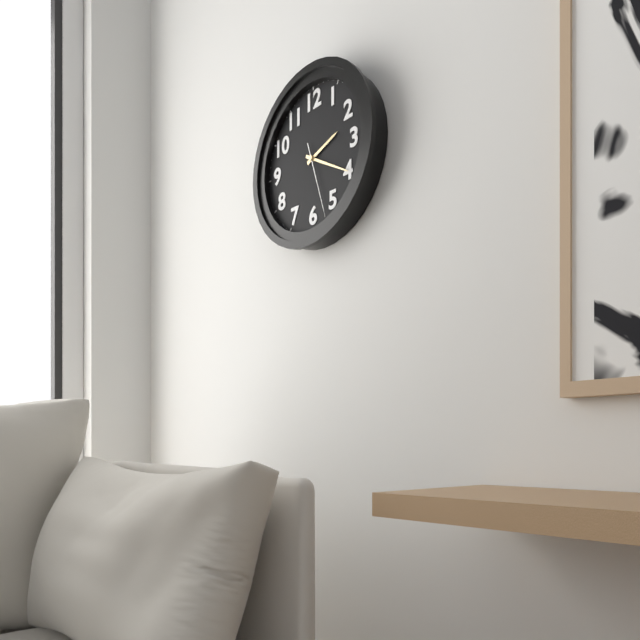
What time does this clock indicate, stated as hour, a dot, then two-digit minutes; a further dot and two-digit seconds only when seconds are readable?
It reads 2.20.27
